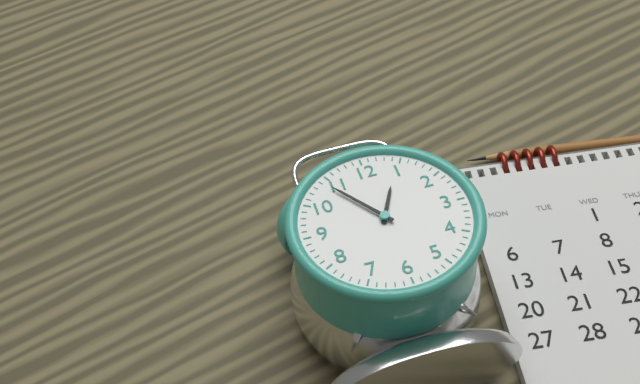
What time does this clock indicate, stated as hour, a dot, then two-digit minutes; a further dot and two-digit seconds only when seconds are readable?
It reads 12.54
